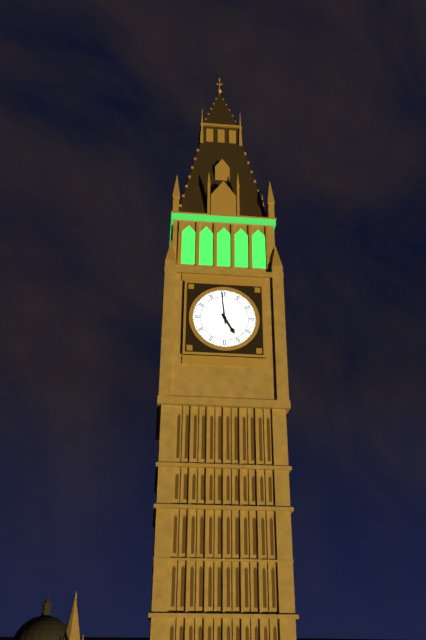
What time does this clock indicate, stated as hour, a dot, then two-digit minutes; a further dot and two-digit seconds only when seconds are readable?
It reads 4.59
